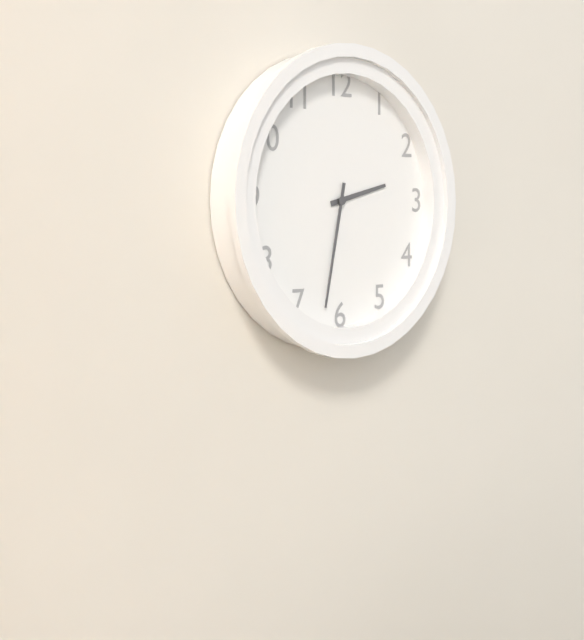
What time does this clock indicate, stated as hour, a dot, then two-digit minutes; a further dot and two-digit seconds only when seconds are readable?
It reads 2.32
